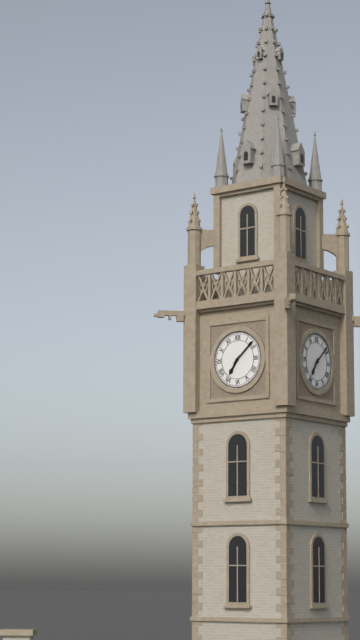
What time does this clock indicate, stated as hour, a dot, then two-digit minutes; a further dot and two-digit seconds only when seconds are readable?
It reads 7.08
